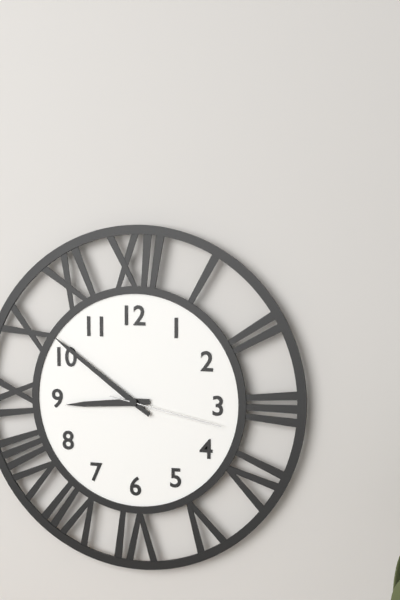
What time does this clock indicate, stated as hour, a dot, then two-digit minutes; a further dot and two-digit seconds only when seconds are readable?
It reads 8.51.17
